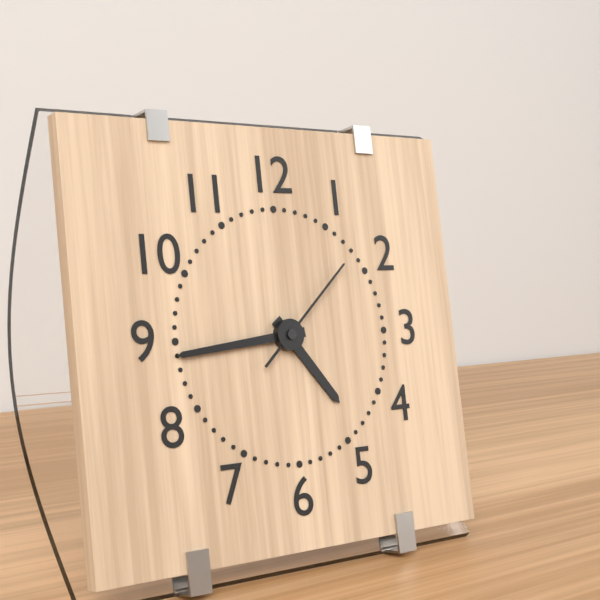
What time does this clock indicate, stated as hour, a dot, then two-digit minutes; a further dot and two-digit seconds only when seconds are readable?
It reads 4.44.08
